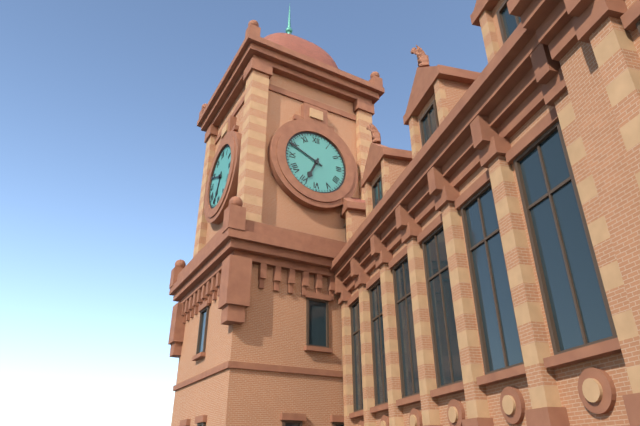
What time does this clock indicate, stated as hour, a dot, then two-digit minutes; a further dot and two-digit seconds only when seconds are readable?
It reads 6.49
